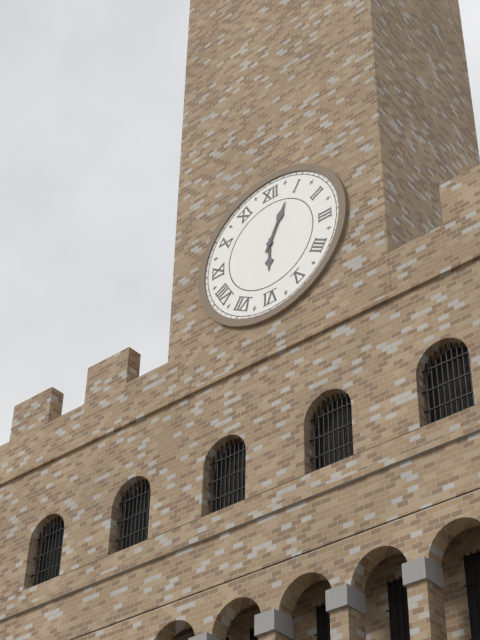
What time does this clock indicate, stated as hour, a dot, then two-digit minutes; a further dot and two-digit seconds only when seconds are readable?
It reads 6.04
